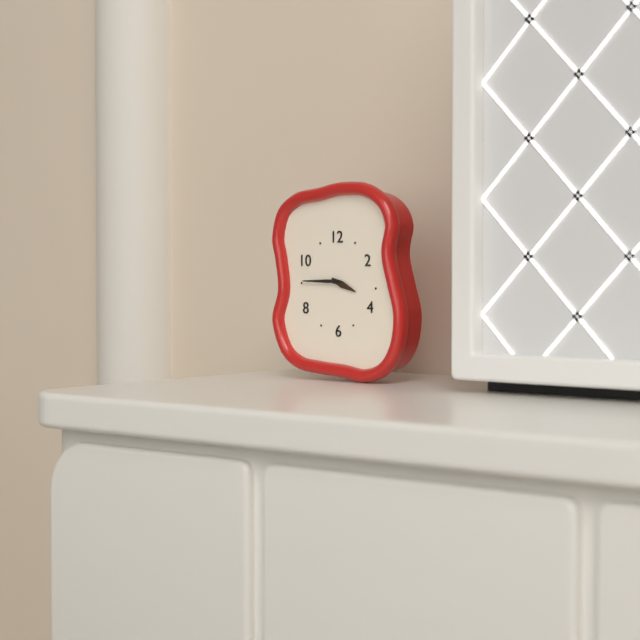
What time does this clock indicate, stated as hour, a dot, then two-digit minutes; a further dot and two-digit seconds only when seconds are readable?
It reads 3.45
